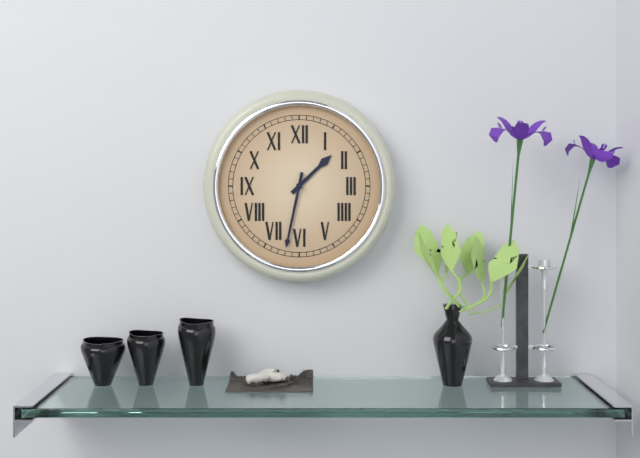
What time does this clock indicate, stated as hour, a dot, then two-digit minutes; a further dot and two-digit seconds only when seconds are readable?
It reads 1.32
